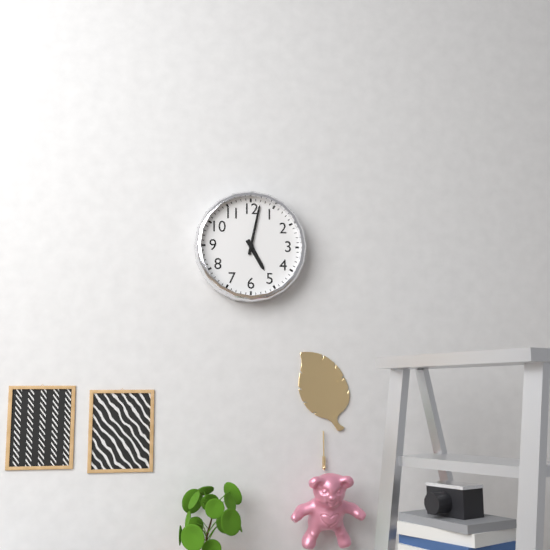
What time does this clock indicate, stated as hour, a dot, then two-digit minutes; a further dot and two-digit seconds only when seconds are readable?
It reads 5.02
